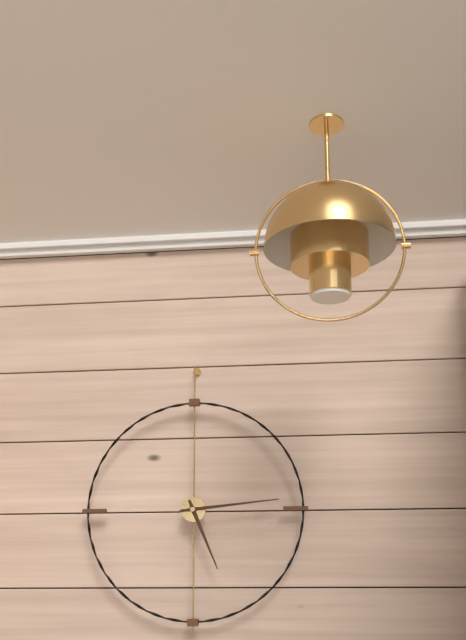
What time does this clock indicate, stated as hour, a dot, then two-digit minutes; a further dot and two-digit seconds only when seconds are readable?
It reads 5.14
